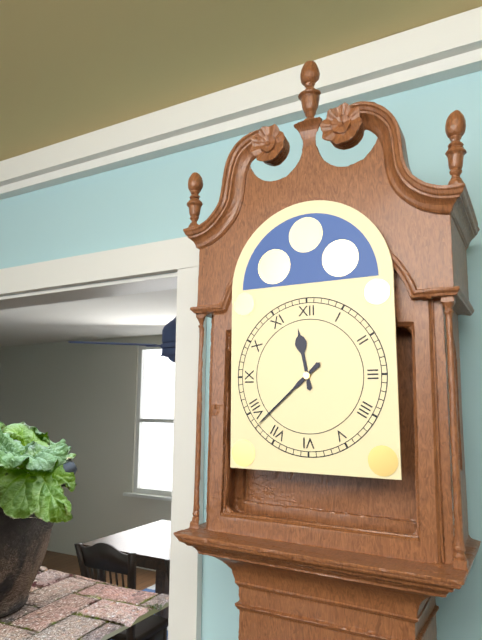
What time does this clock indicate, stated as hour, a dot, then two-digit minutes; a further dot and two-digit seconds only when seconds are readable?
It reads 11.38
